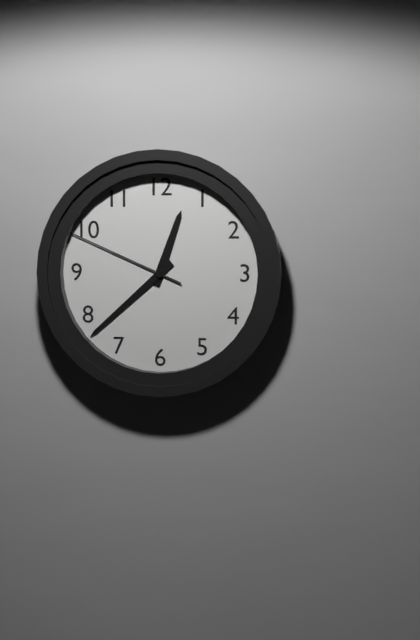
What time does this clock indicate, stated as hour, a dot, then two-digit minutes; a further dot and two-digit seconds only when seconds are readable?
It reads 12.38.49
